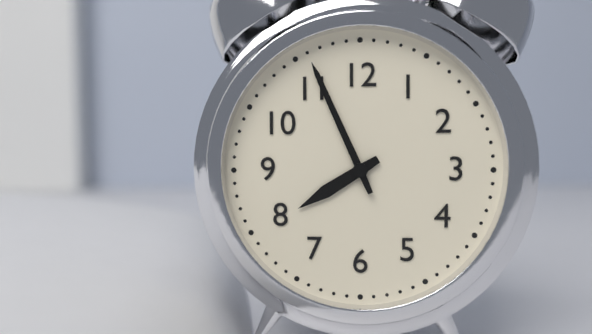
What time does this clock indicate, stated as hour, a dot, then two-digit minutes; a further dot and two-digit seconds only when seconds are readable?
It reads 7.56
